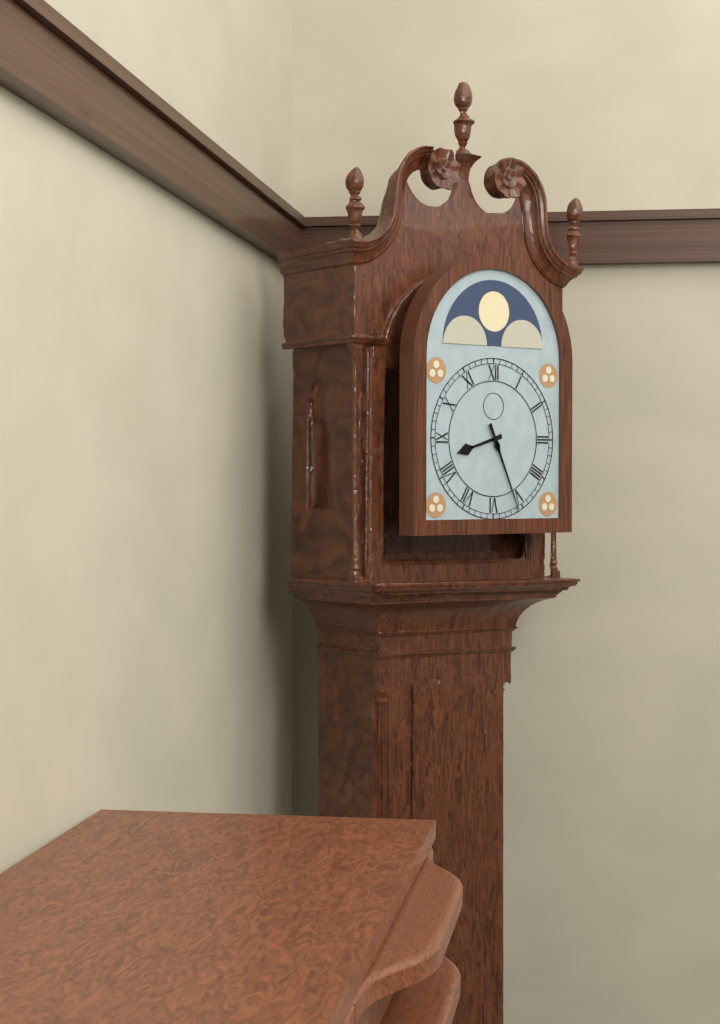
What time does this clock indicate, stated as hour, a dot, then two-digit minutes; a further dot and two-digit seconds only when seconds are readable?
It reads 8.26
